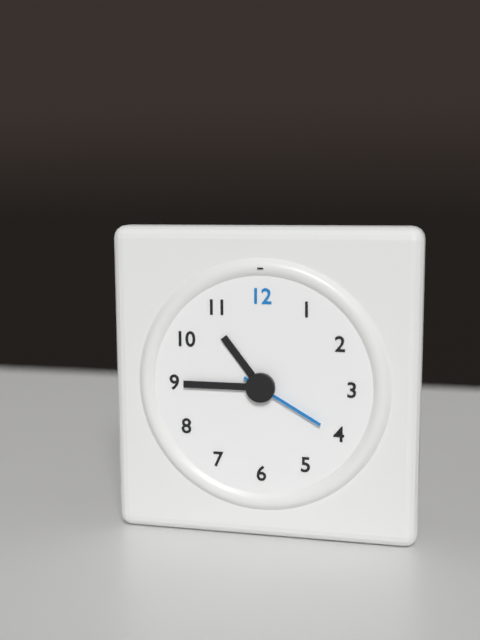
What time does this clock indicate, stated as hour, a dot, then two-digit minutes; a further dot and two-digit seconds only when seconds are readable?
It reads 10.45.20
